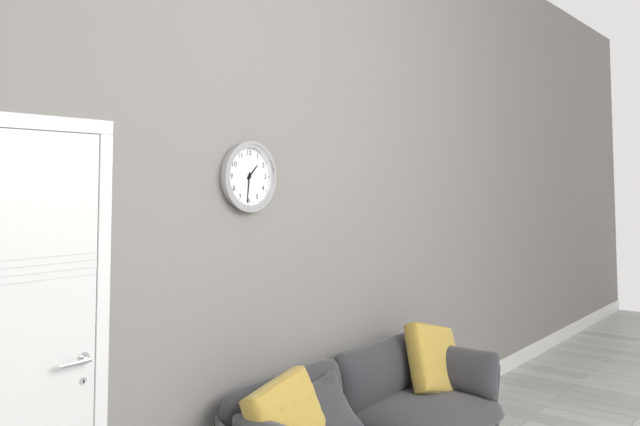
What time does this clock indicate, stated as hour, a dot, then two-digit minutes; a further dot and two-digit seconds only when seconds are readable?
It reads 1.31
